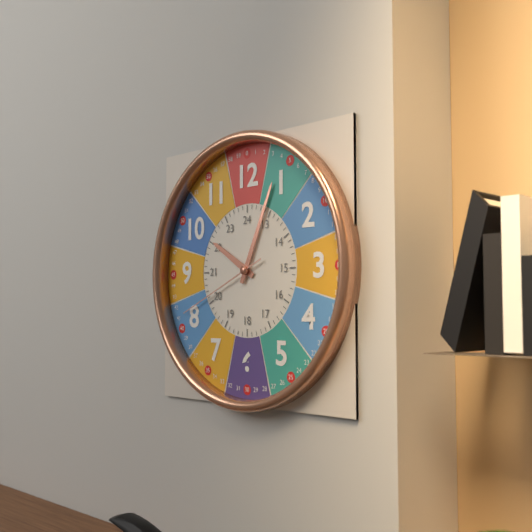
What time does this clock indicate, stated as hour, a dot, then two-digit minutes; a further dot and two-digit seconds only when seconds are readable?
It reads 10.04.41
